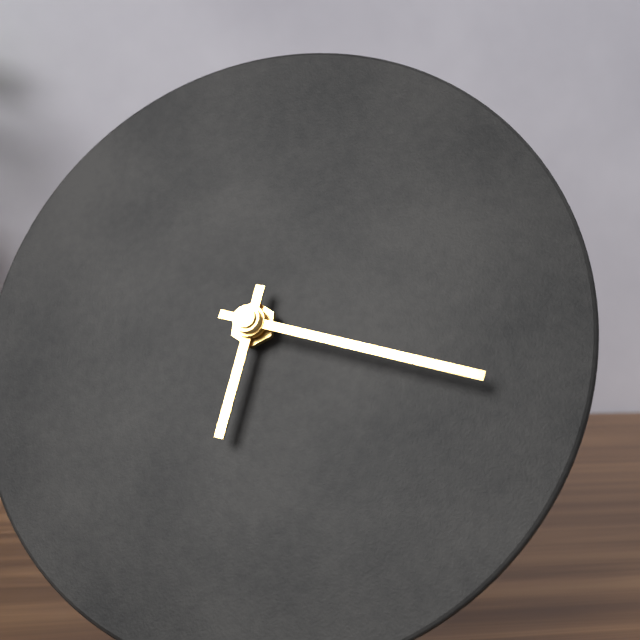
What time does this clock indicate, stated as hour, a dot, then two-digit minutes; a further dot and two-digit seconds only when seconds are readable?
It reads 6.17
